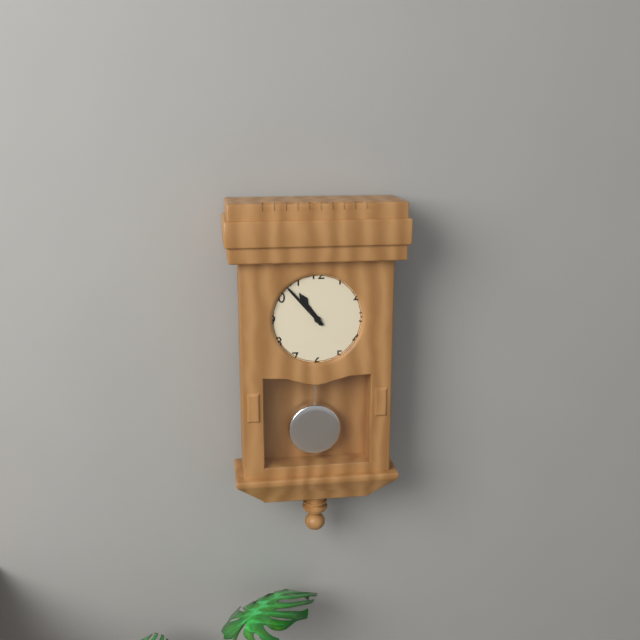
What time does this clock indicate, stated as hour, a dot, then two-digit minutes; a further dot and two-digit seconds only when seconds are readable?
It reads 10.53
